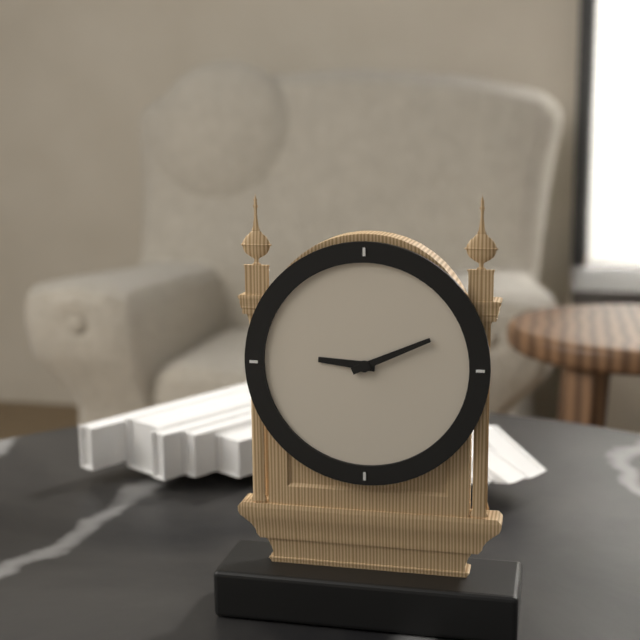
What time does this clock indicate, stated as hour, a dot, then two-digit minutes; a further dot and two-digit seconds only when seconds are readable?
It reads 9.11
